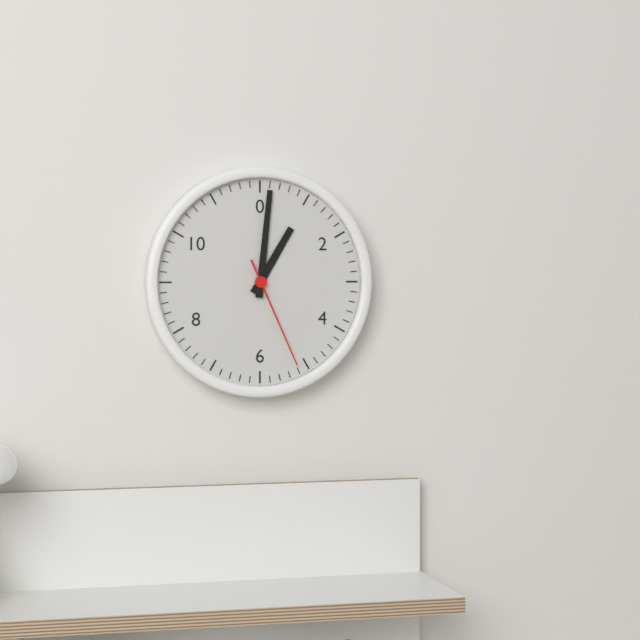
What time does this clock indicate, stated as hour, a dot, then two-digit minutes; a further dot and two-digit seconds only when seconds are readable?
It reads 1.01.26
